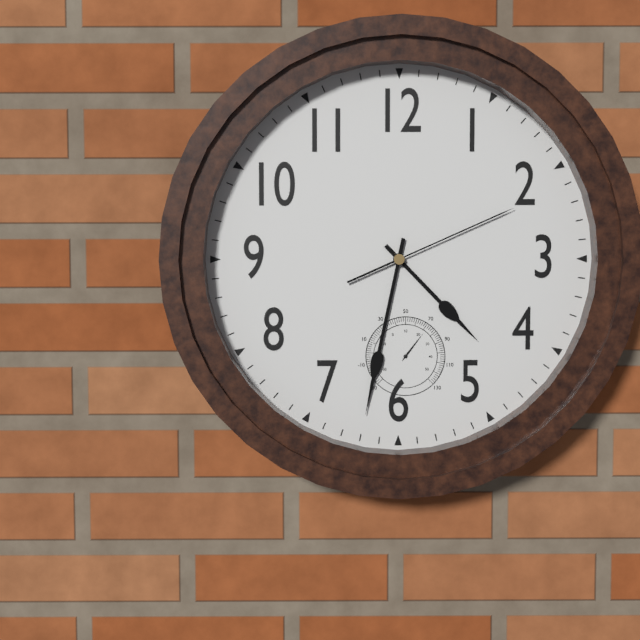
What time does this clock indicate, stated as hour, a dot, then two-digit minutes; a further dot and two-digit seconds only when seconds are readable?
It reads 4.32.11
